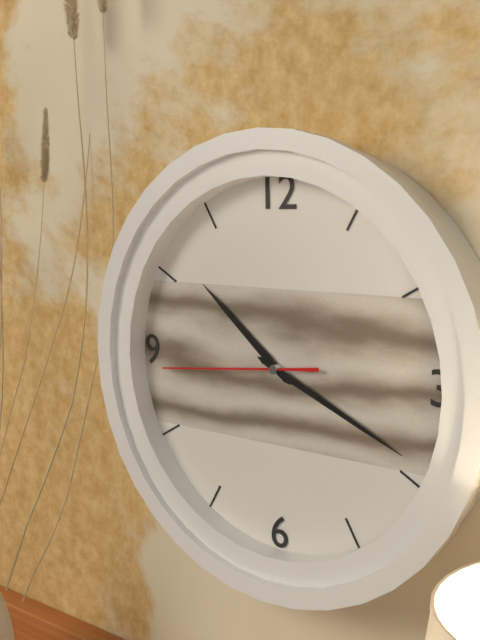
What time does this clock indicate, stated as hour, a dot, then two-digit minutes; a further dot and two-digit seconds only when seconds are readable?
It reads 10.19.44
